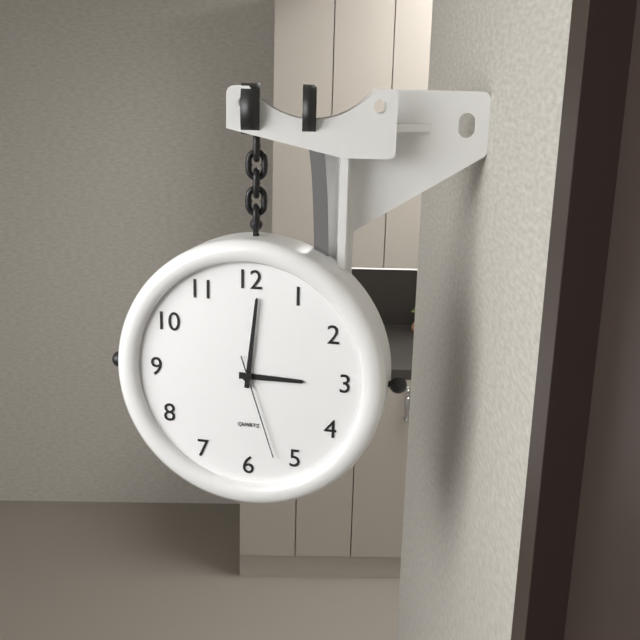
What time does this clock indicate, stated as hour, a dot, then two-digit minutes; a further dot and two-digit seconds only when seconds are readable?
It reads 3.01.27
